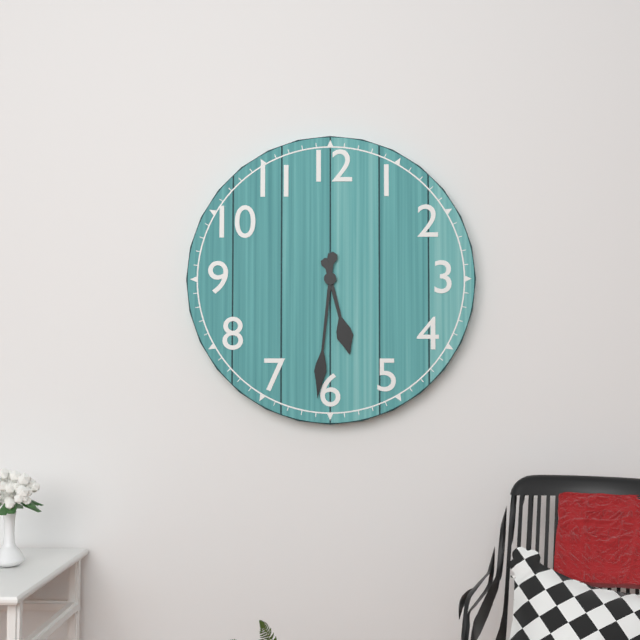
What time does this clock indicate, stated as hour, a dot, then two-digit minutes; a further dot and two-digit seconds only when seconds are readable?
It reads 5.31
